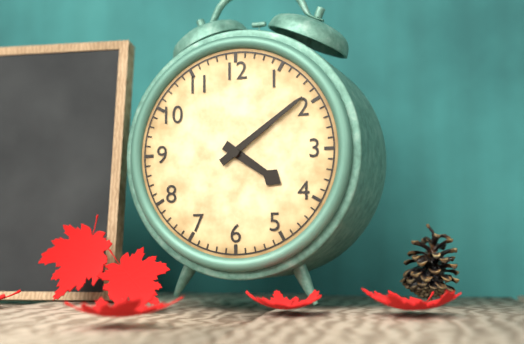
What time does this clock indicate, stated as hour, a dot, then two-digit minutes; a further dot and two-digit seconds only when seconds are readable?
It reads 4.09
